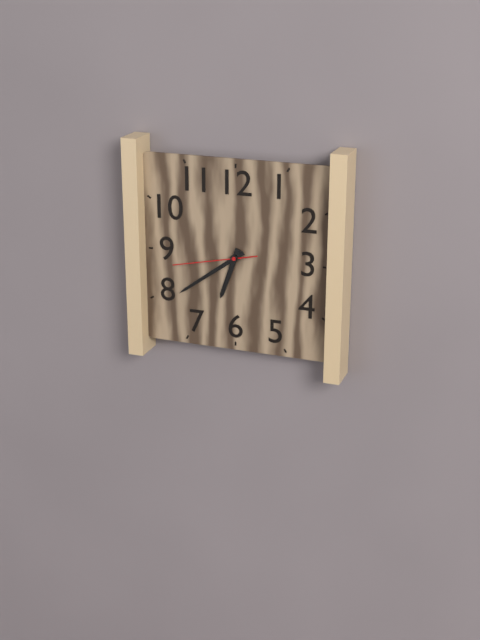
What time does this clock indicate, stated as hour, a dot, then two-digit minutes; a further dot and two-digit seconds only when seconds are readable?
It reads 6.39.43
